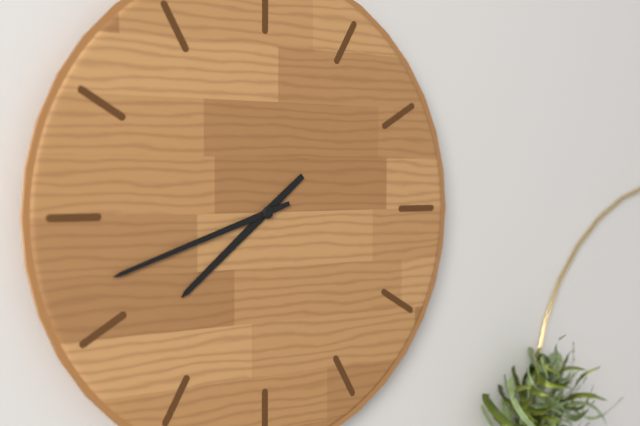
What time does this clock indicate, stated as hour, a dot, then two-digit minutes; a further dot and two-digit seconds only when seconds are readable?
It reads 7.42
